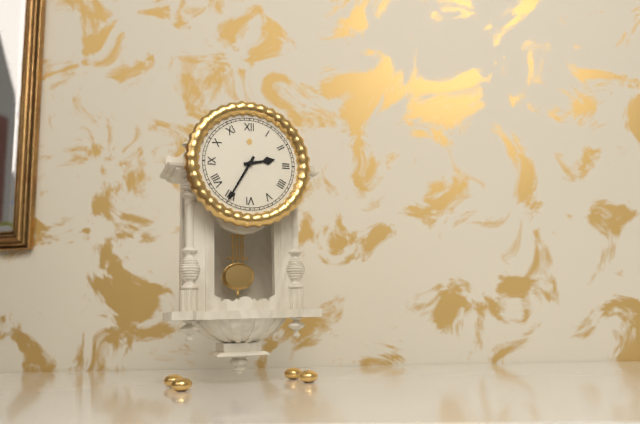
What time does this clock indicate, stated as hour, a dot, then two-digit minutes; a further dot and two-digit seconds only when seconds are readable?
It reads 2.35
